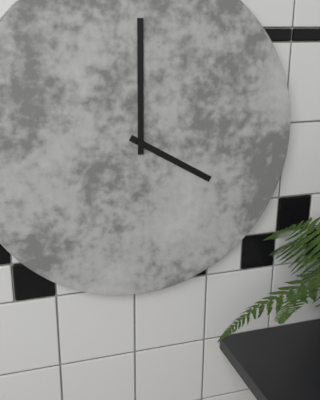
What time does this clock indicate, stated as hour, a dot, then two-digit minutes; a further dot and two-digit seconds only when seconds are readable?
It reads 4.00
